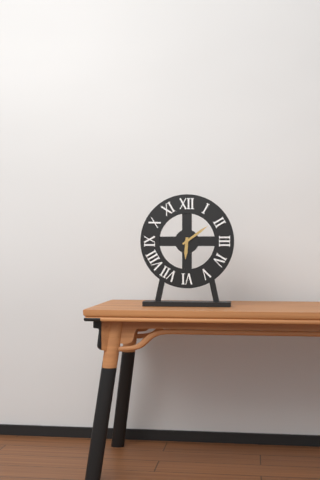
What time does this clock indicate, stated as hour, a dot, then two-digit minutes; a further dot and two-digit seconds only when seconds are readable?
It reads 6.09
